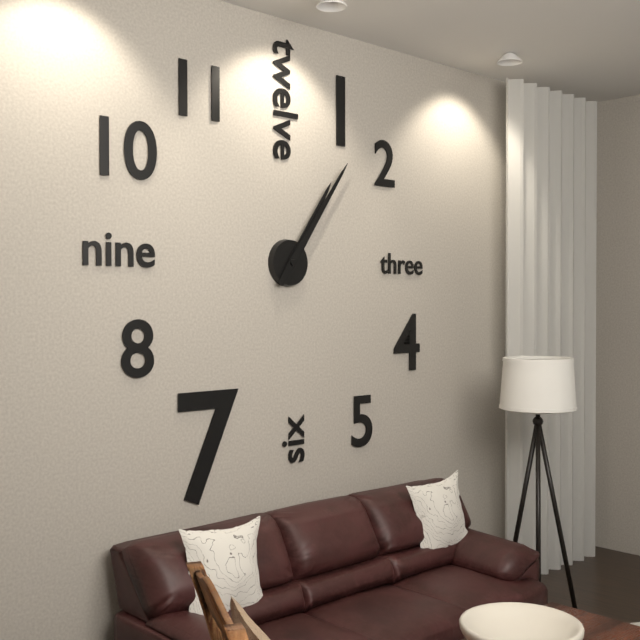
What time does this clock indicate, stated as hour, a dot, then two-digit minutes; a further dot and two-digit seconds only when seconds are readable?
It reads 1.06
